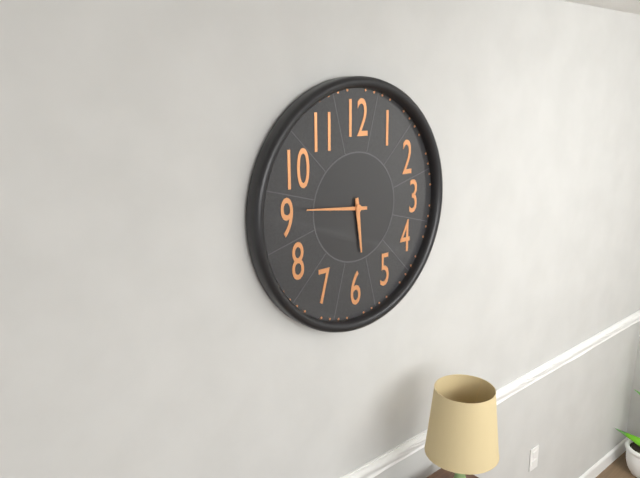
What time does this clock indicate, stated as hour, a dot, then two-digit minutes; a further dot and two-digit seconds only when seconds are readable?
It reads 5.46
